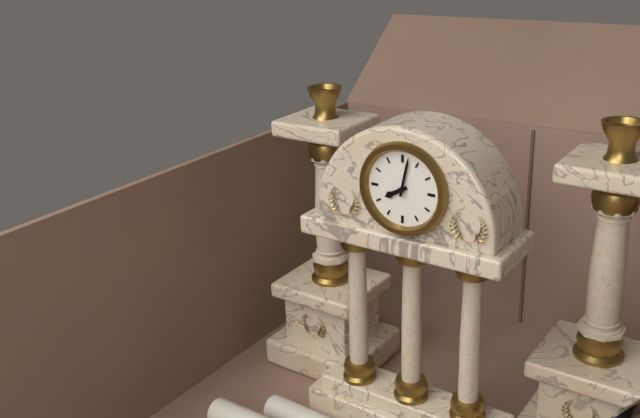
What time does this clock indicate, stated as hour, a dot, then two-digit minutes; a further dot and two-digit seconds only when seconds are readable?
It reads 8.02
